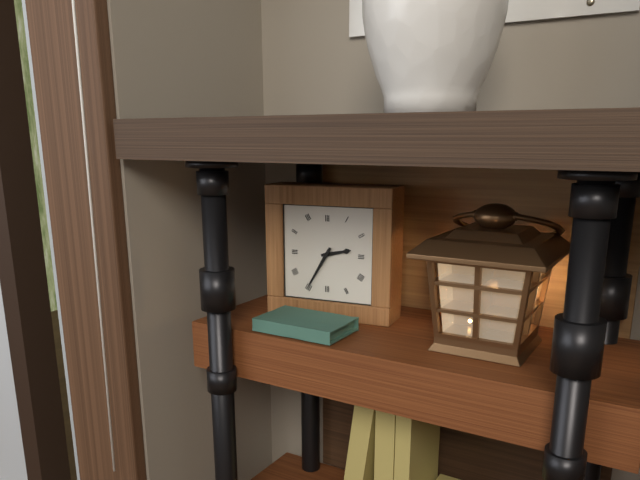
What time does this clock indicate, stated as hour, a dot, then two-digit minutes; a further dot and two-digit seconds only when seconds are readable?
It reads 2.35
